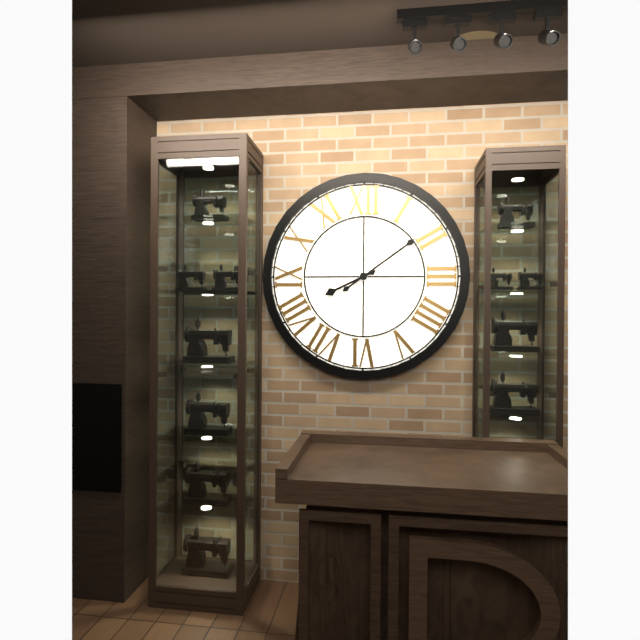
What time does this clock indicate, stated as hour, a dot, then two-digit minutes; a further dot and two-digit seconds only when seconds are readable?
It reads 8.09
